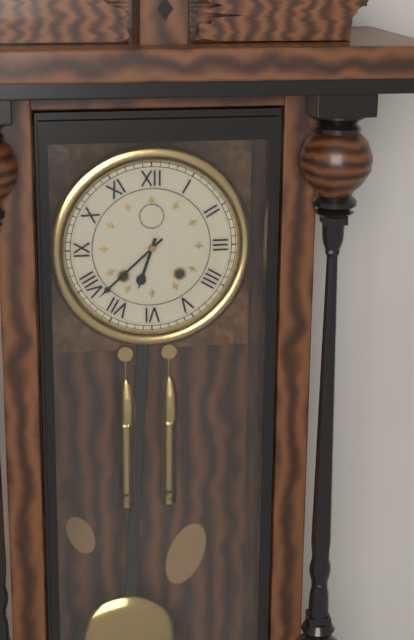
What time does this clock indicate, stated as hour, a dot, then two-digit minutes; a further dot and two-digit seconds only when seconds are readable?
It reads 6.38
